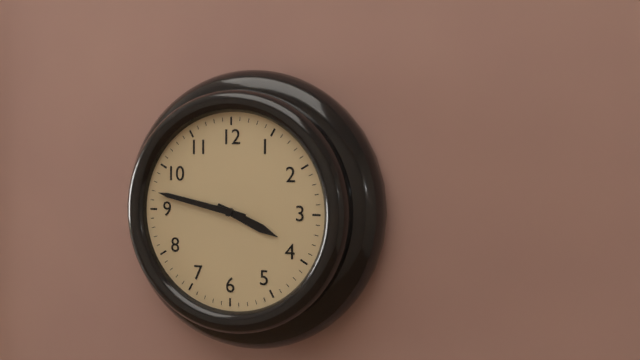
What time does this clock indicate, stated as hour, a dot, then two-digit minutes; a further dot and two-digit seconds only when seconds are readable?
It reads 3.47
